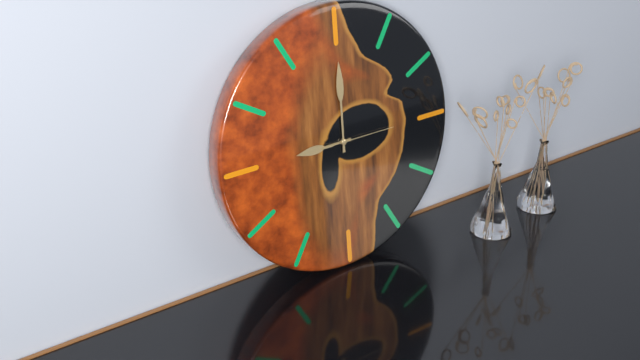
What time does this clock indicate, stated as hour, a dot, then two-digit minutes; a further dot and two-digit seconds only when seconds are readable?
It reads 9.00.15
